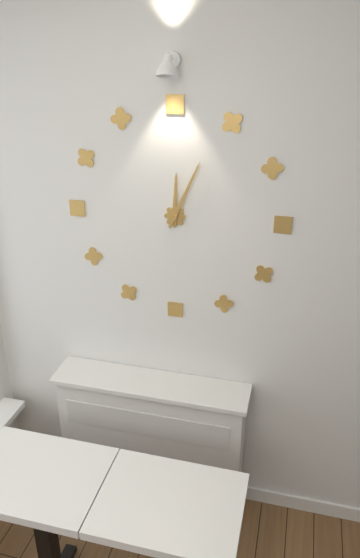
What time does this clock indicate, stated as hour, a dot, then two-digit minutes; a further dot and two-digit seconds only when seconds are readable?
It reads 12.04
